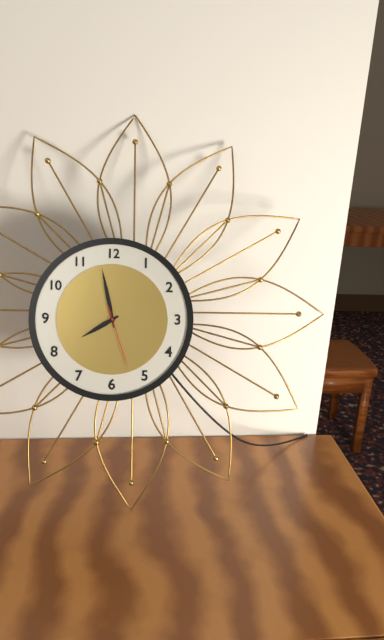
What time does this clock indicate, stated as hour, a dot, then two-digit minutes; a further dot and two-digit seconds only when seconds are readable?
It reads 7.58.27
